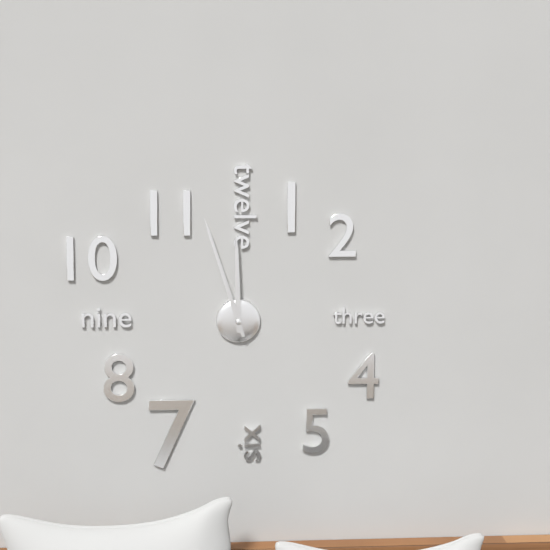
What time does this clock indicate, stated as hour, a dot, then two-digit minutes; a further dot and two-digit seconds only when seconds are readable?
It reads 11.57
